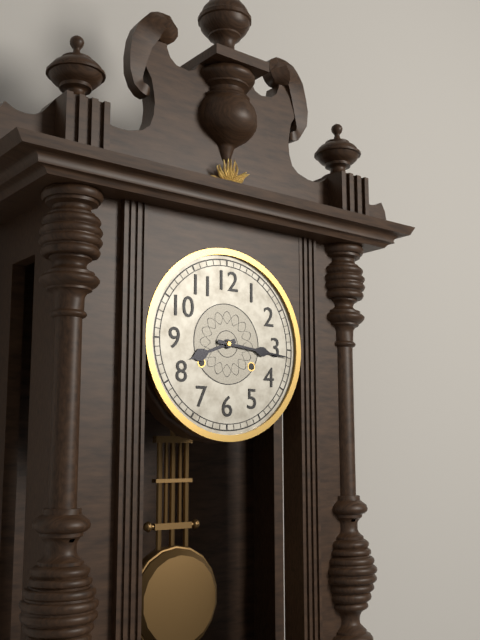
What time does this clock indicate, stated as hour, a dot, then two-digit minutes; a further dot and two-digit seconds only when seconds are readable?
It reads 8.16
